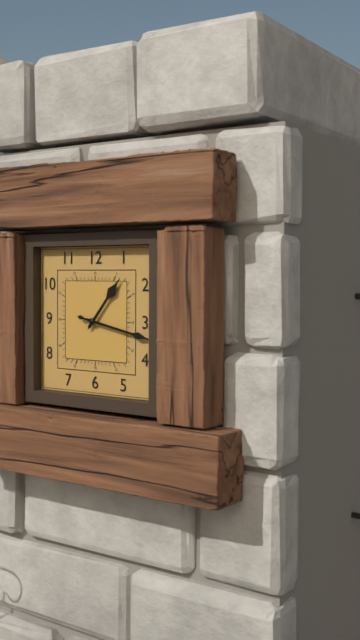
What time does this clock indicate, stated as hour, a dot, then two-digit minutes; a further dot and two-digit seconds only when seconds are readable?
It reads 1.17
